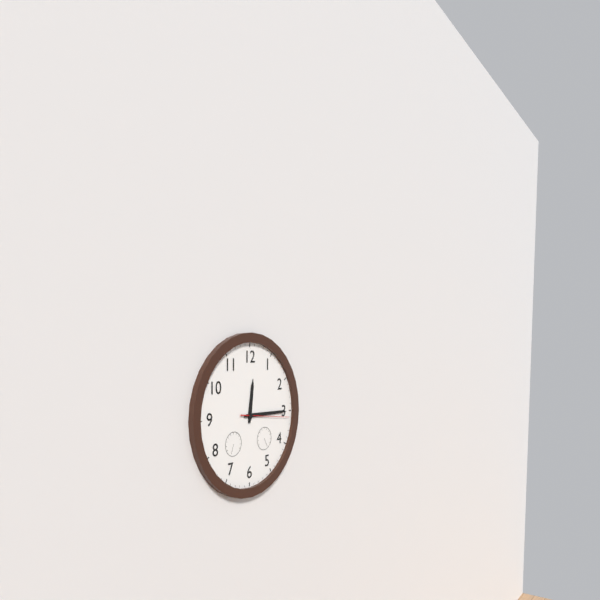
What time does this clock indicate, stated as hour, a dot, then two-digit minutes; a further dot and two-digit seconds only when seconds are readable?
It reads 12.15
